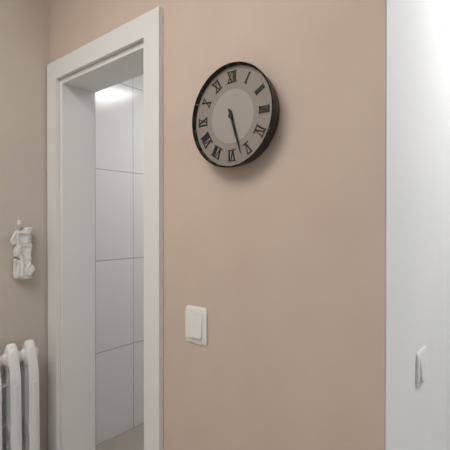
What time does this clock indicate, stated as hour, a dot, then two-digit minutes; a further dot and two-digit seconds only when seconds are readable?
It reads 5.27
